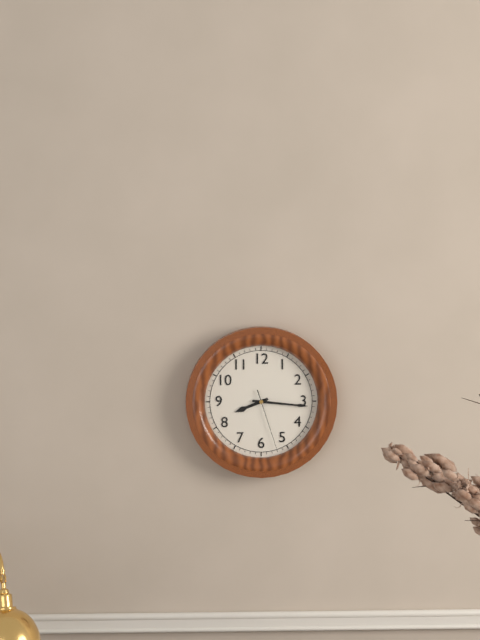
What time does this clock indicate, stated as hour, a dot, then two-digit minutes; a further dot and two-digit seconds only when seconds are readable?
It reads 8.16.27
